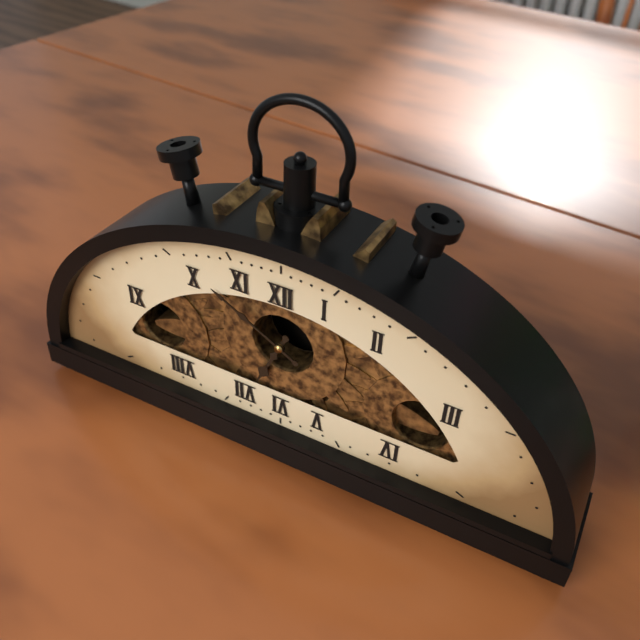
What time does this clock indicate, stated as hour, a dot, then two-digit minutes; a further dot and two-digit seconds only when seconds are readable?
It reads 6.50
